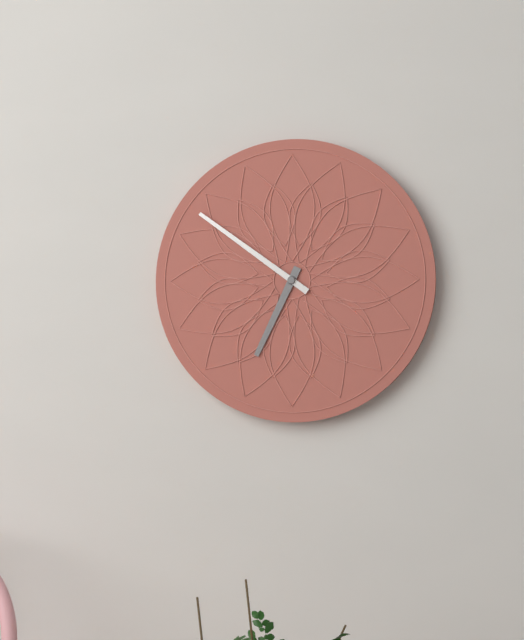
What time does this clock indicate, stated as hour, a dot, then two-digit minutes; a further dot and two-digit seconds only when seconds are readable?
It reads 6.51
